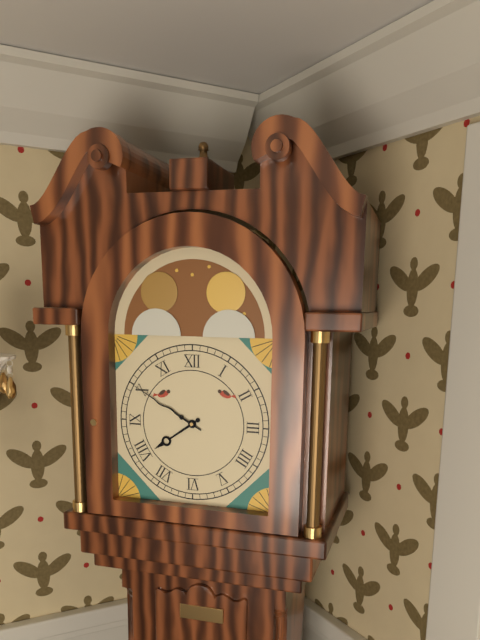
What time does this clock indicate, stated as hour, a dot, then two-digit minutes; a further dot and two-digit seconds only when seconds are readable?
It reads 7.50
